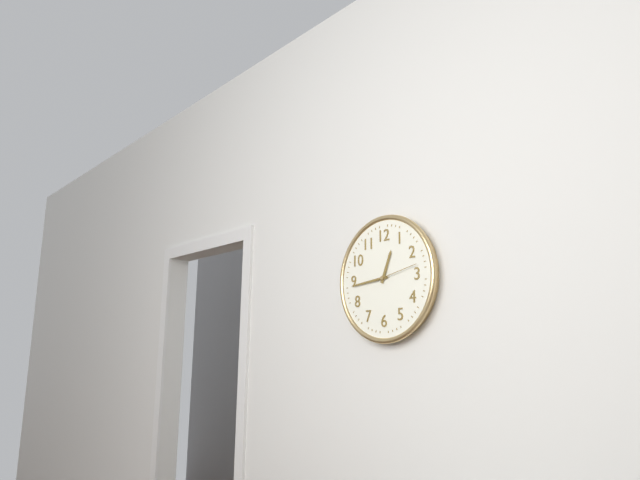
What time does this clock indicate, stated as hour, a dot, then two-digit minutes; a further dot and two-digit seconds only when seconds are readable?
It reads 12.44
